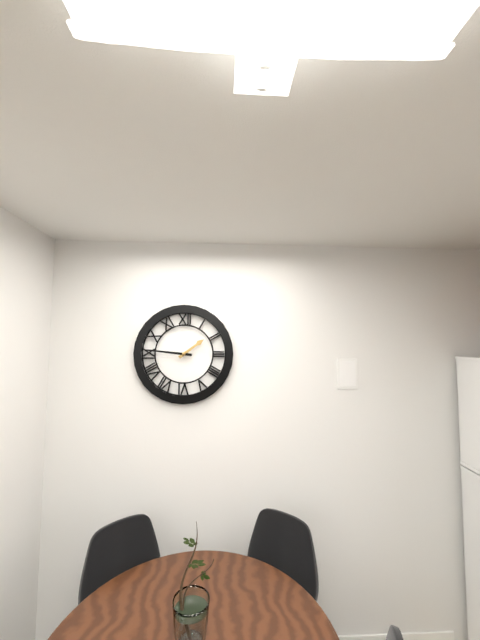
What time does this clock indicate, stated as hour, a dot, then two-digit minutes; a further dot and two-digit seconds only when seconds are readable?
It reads 1.46
